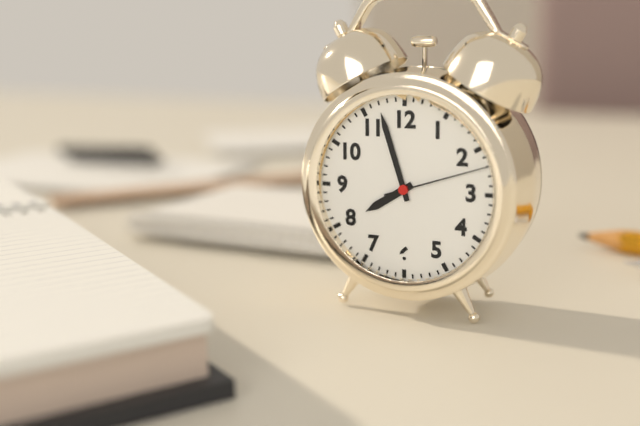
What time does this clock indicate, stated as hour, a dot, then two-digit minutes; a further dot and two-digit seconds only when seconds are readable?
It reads 7.57.12
